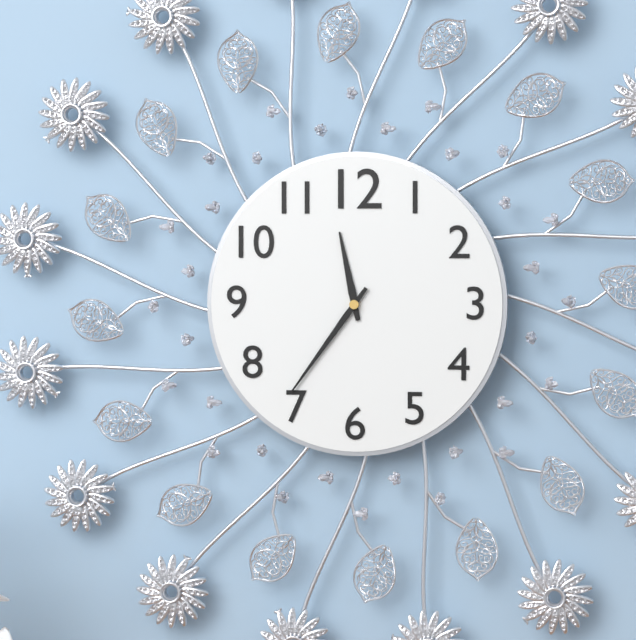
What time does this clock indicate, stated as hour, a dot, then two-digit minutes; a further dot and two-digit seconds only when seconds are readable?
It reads 11.36
